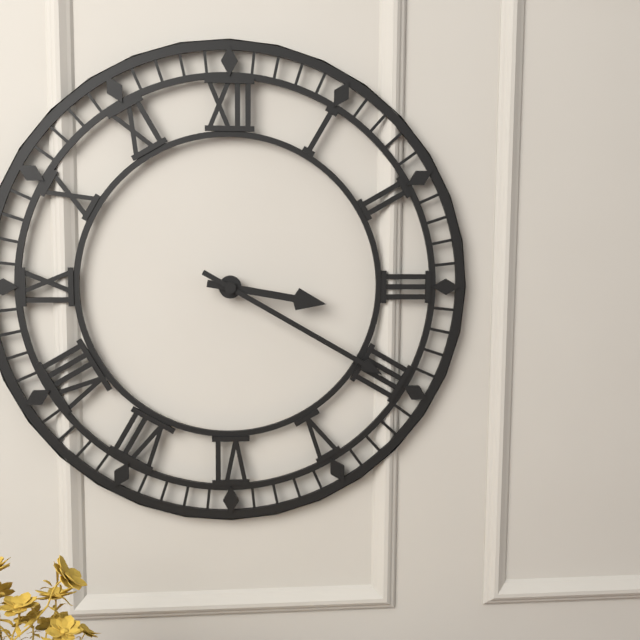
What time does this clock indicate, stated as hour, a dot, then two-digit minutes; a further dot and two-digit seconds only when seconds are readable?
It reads 3.20
